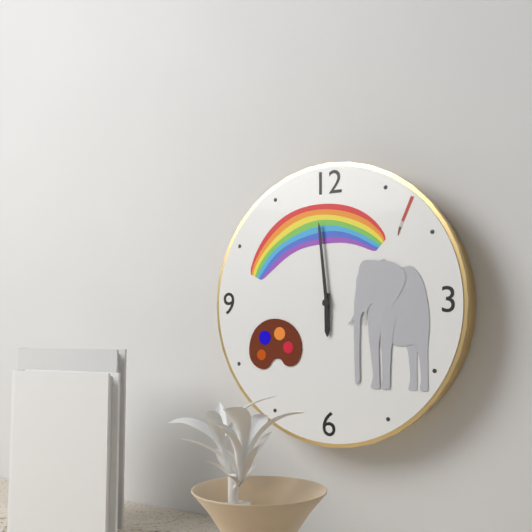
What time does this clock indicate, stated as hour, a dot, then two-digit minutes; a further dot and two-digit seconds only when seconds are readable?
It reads 5.59
